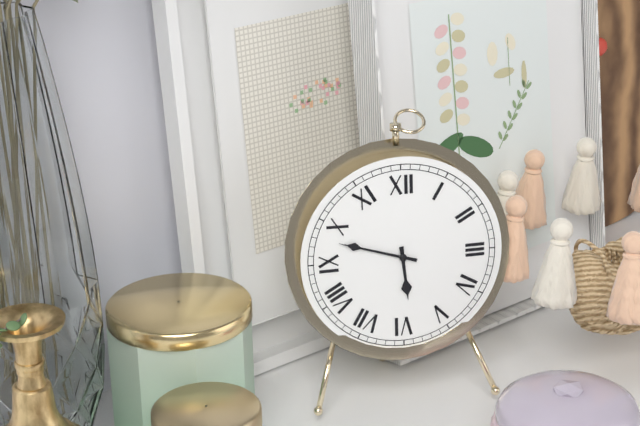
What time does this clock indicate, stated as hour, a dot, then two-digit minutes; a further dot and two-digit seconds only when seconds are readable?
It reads 5.48
